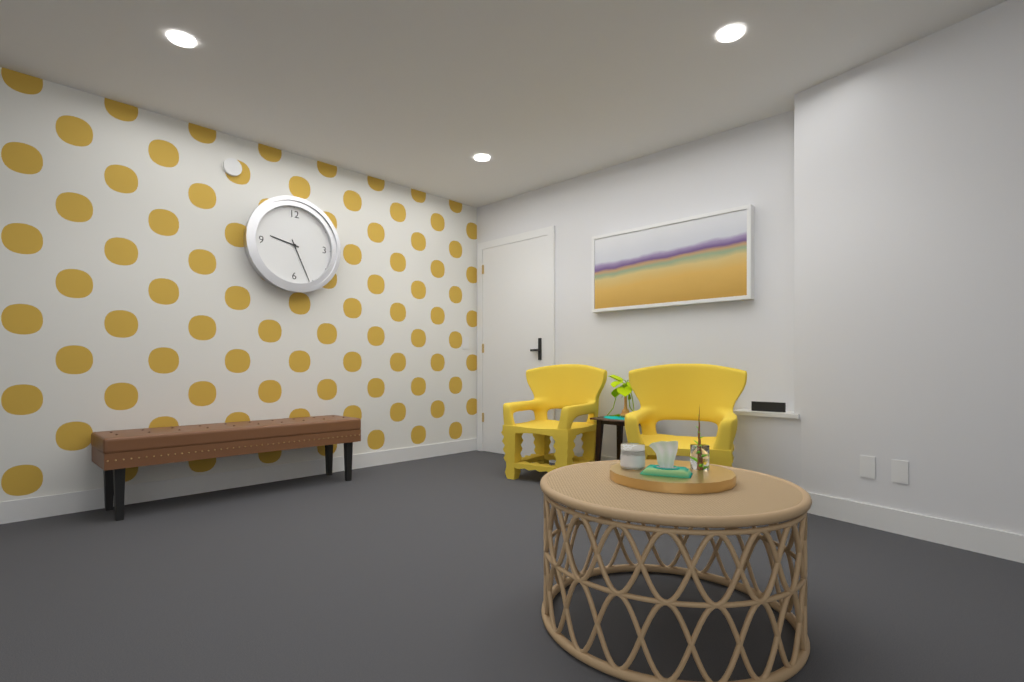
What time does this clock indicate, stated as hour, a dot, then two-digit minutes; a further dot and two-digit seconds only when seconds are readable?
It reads 9.26
